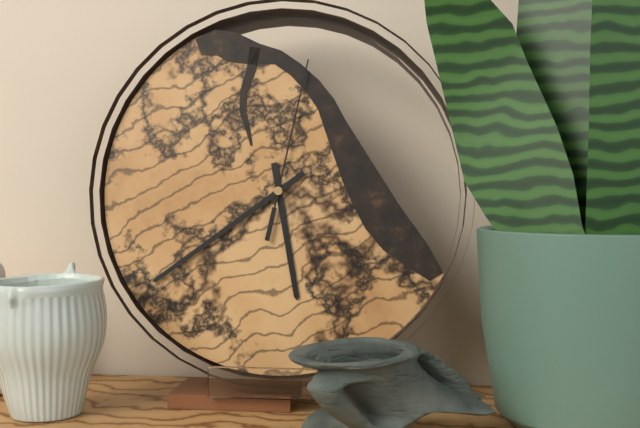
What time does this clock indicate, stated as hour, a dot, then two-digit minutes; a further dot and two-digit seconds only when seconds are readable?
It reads 5.39.02
